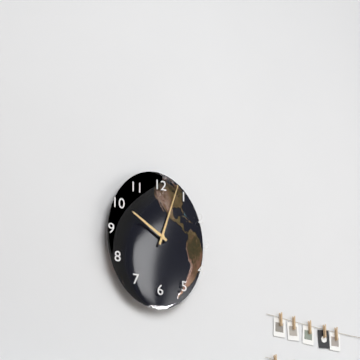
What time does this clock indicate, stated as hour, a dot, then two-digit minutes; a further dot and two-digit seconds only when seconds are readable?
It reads 10.03
